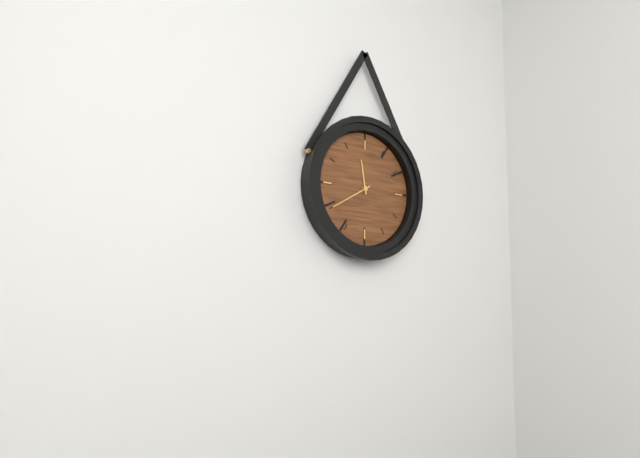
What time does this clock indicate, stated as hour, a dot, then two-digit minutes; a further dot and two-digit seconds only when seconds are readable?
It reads 11.40
